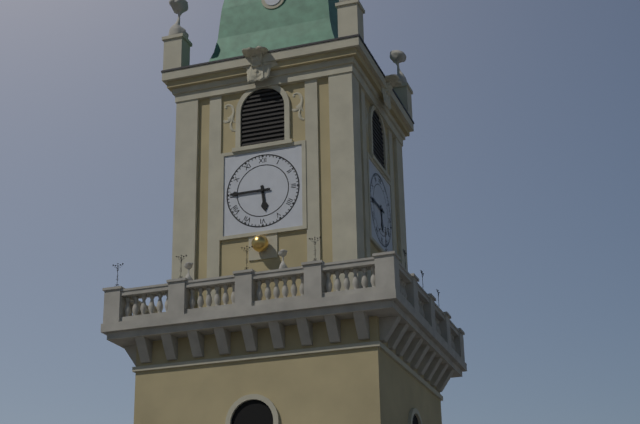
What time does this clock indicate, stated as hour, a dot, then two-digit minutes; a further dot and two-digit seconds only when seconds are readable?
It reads 5.45
